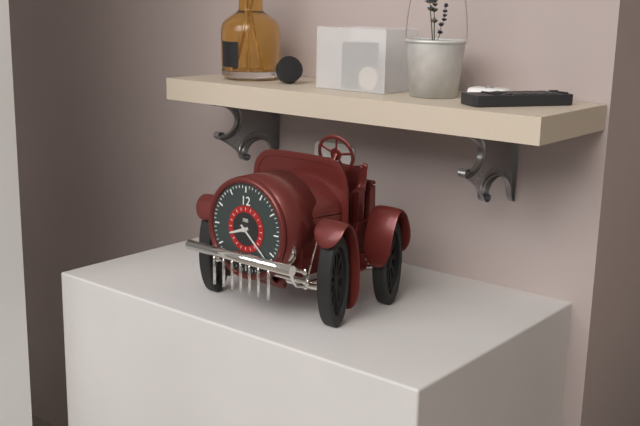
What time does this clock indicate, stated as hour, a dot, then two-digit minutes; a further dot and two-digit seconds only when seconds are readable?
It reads 8.22
